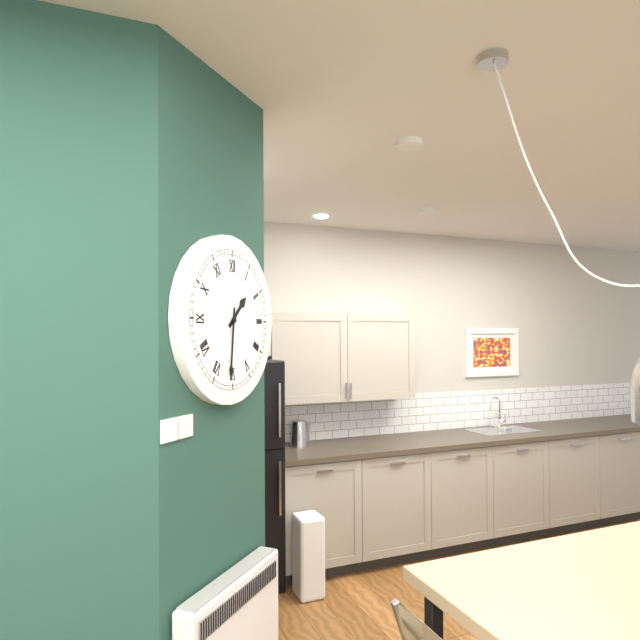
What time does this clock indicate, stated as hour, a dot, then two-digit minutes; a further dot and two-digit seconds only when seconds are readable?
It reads 1.31
